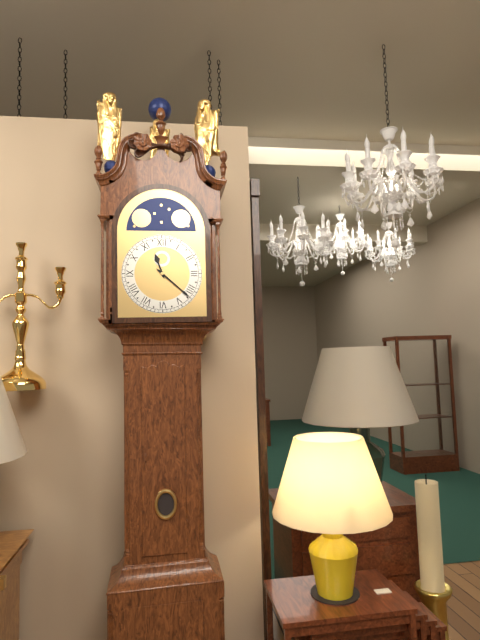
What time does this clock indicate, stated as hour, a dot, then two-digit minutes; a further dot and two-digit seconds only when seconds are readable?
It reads 11.22
